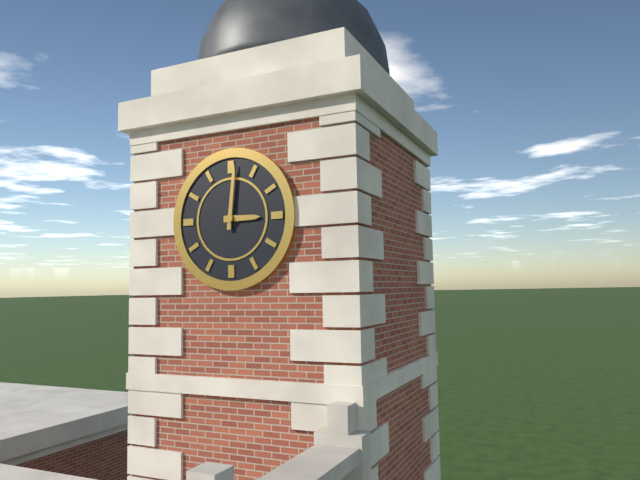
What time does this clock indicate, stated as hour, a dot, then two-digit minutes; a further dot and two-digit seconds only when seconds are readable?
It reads 3.01
